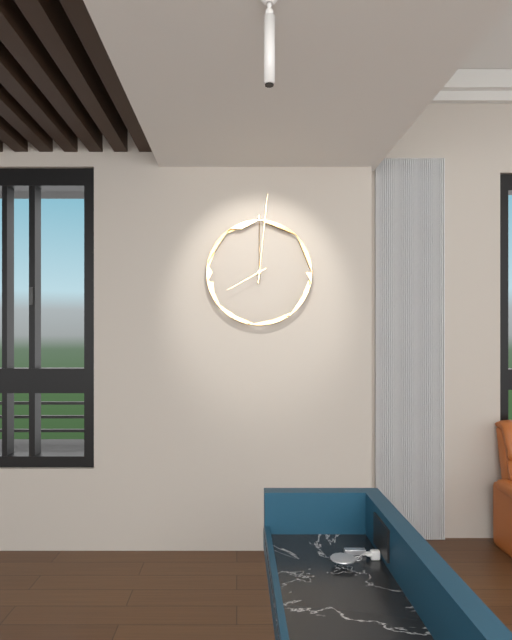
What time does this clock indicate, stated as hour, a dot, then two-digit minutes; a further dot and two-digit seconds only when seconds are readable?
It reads 8.01
